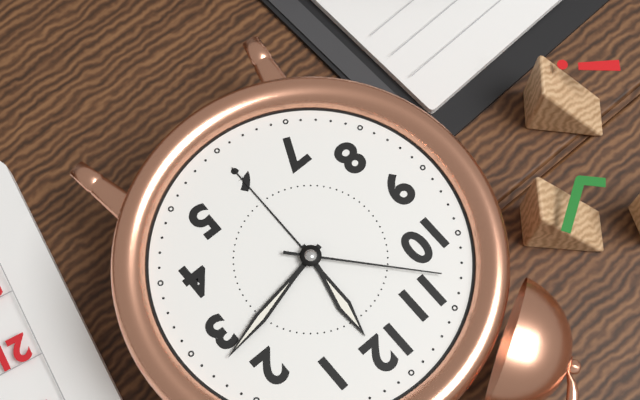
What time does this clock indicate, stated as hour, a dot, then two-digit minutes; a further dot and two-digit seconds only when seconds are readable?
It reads 12.13.53
